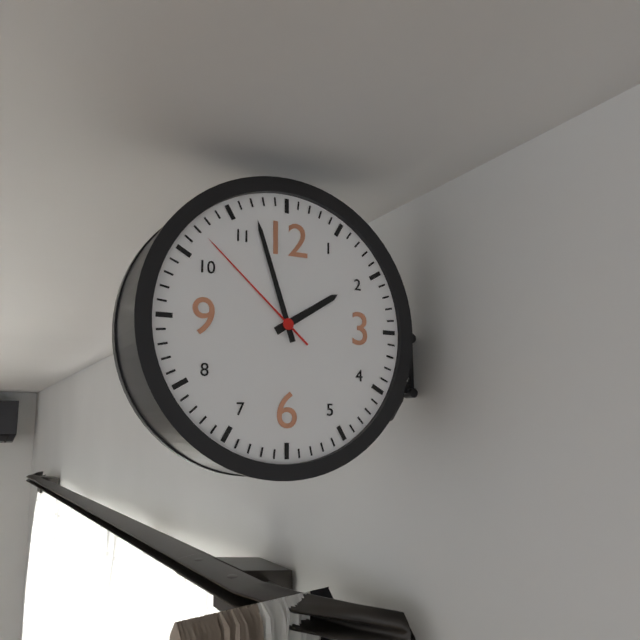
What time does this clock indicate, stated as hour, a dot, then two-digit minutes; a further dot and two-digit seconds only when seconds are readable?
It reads 1.57.52
